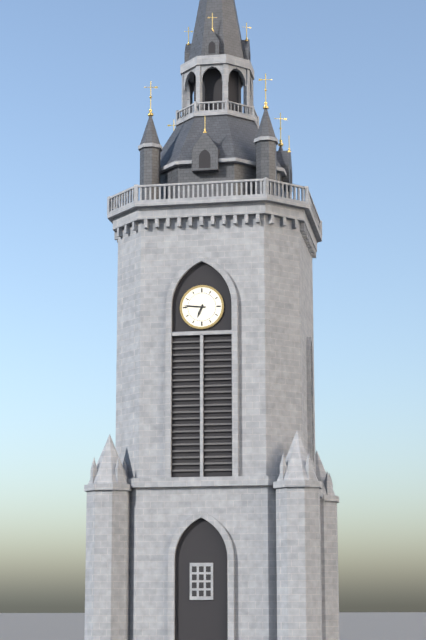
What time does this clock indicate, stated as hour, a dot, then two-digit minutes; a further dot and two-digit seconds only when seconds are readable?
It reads 6.46
